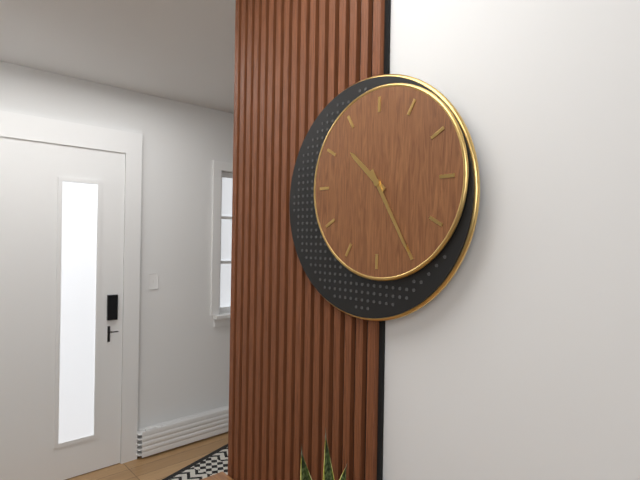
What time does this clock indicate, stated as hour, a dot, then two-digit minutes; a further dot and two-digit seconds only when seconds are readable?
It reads 10.25
